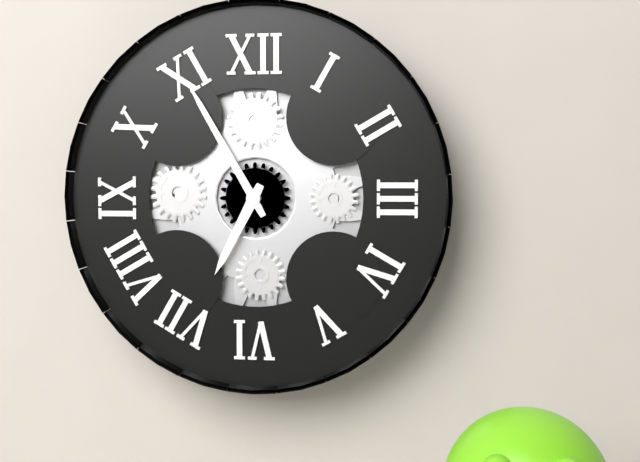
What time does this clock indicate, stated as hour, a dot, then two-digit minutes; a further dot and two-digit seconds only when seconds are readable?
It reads 6.55
